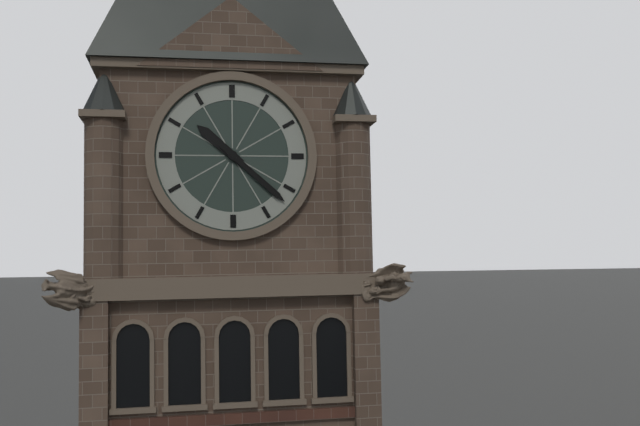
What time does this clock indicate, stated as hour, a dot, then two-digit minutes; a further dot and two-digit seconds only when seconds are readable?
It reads 10.22
